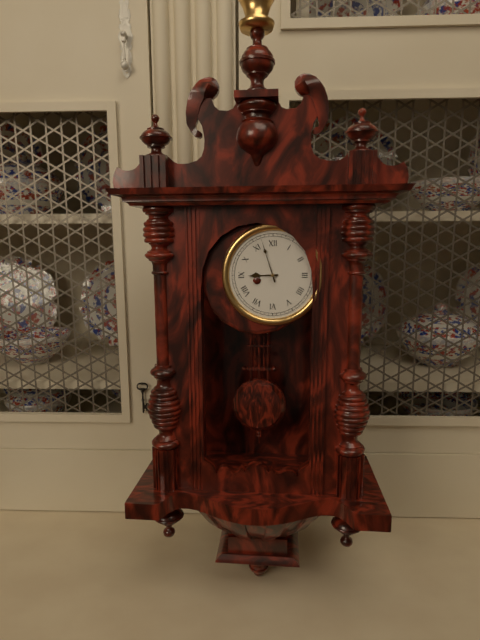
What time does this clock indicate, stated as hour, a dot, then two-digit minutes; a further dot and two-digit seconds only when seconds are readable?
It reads 8.57
